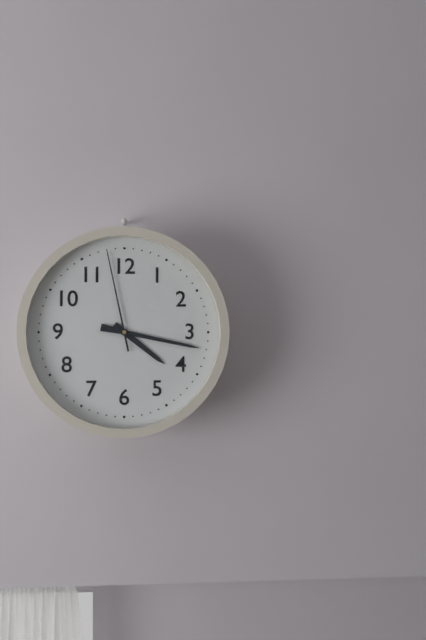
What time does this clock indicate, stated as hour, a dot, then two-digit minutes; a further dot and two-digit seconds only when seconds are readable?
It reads 4.17.58
